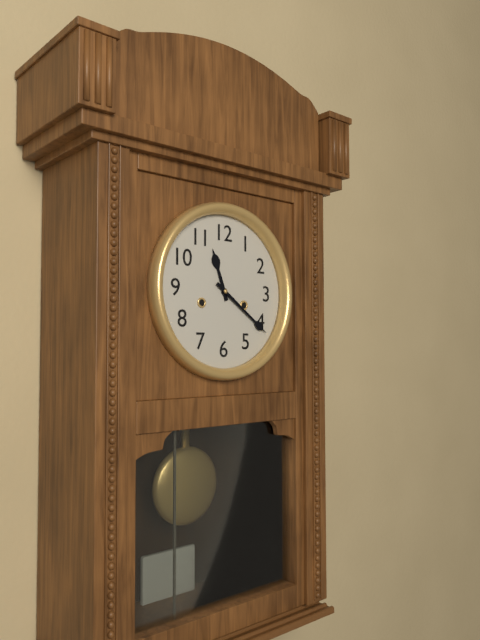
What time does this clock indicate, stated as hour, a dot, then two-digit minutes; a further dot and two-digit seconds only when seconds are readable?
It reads 11.21
